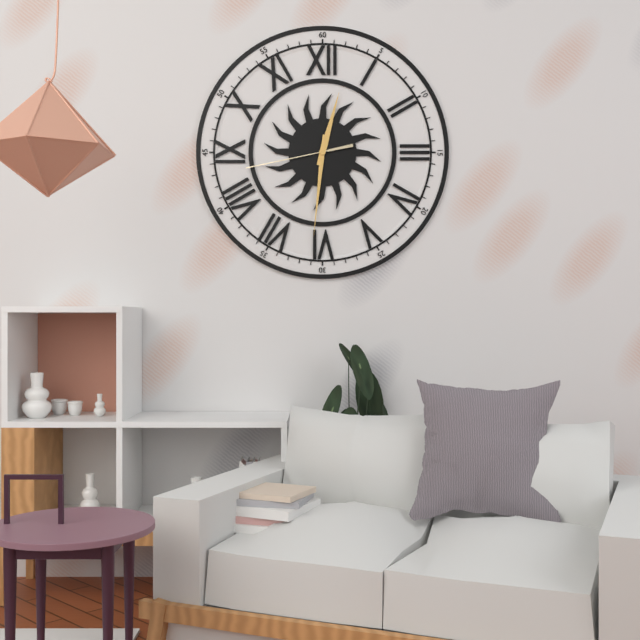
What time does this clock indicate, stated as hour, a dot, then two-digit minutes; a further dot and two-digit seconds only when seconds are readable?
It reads 12.31.43
